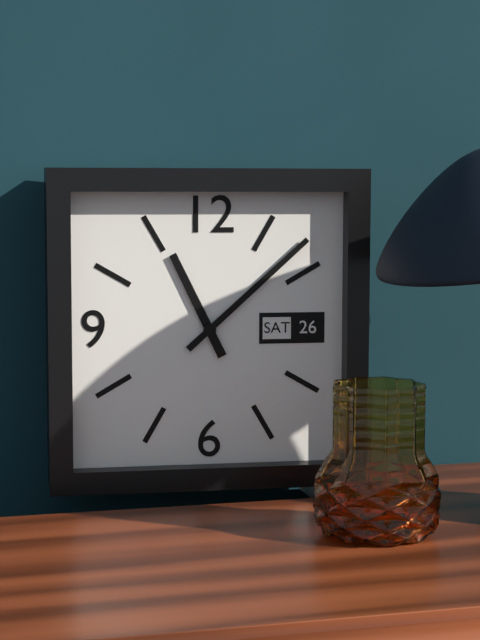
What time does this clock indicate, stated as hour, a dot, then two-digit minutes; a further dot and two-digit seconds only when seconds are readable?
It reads 11.08
